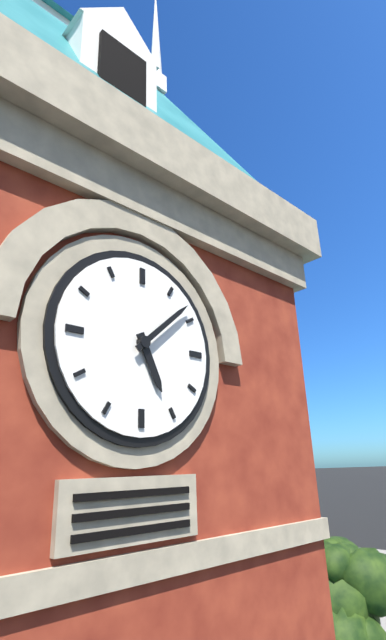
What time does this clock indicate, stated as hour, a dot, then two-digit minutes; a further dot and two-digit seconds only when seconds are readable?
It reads 5.08
